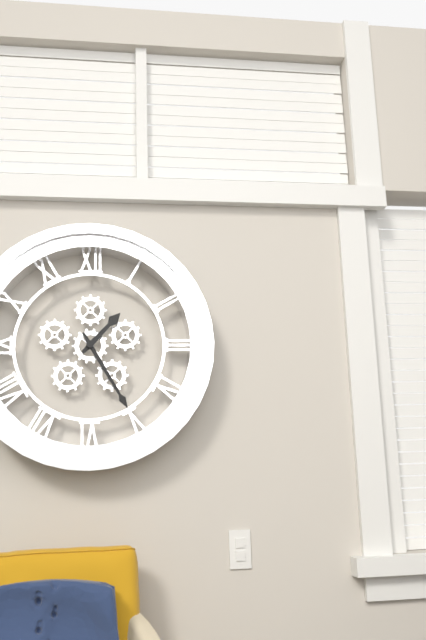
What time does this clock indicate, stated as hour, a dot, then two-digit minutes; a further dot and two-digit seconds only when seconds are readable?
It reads 1.25
